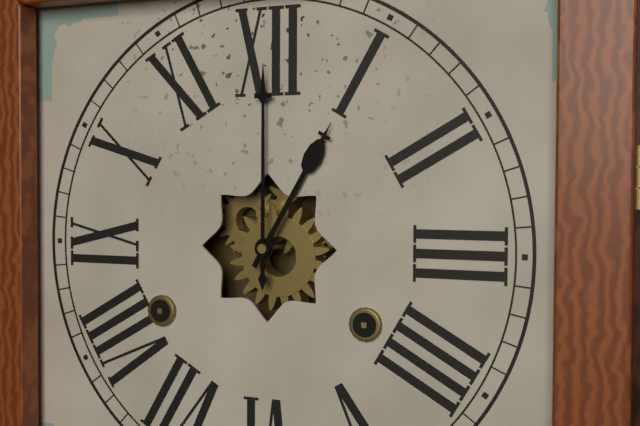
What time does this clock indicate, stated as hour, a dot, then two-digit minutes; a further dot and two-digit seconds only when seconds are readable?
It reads 1.00
